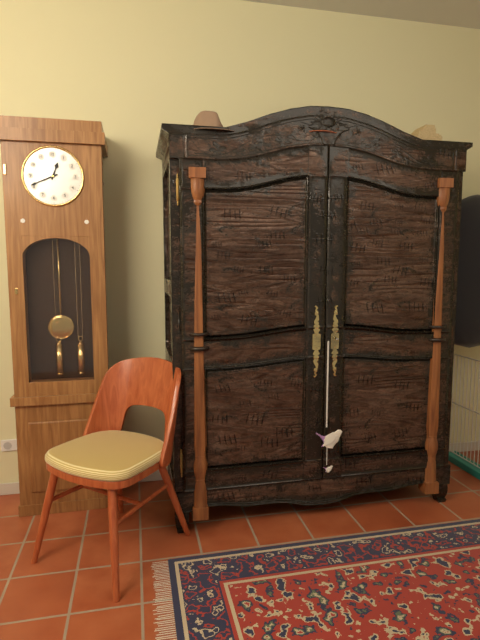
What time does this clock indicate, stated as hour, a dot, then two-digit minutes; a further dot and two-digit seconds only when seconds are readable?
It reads 12.41
